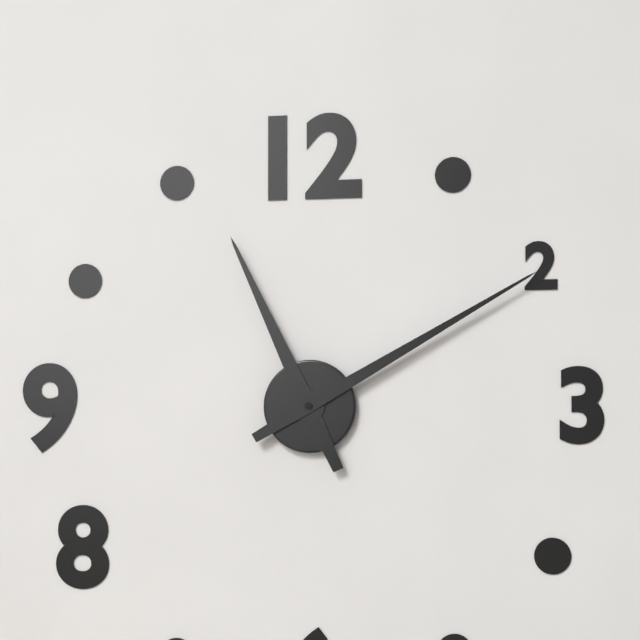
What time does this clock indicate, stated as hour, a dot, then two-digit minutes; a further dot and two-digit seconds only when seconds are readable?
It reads 11.10
